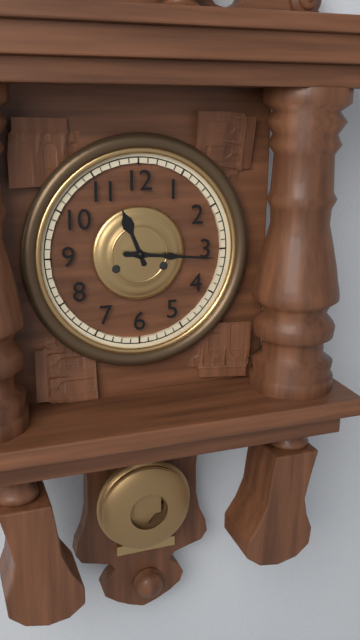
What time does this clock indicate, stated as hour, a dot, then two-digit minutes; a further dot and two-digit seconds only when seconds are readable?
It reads 11.16
